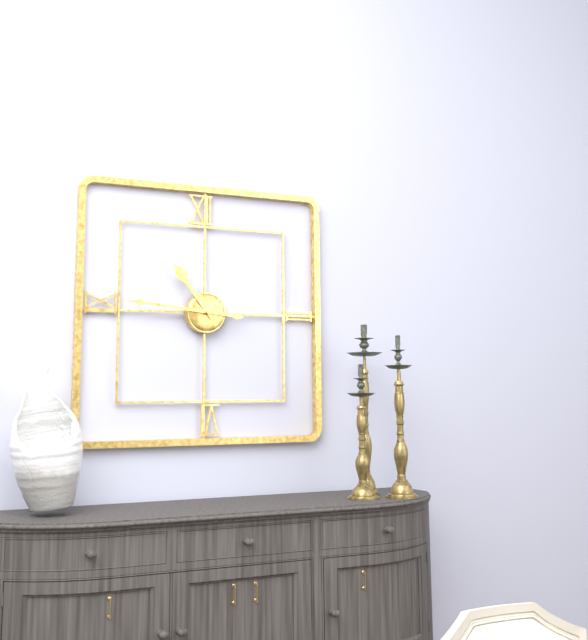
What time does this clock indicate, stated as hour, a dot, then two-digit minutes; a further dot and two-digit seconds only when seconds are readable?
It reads 10.46
